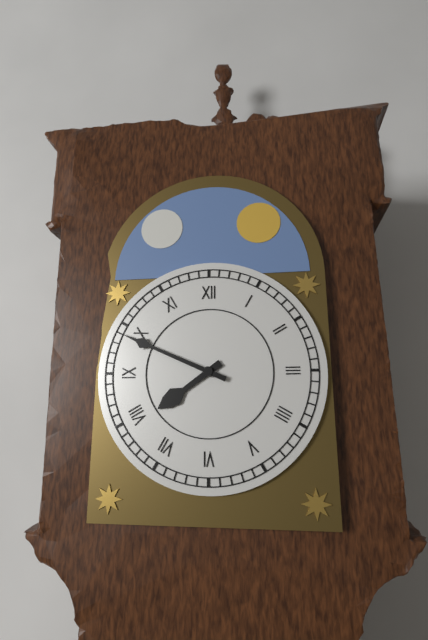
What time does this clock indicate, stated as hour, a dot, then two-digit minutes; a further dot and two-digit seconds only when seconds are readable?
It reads 7.49
